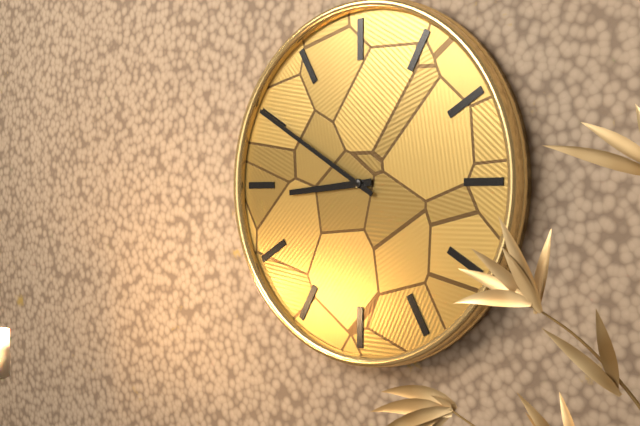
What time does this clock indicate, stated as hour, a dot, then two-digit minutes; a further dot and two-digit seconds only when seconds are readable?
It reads 8.50
